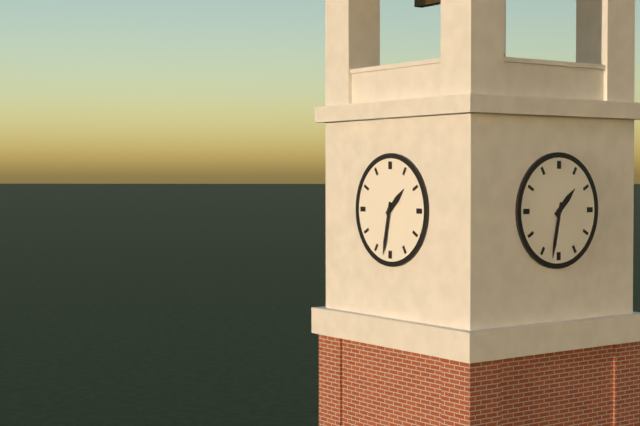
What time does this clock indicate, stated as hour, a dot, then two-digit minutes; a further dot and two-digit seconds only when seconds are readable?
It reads 1.32
